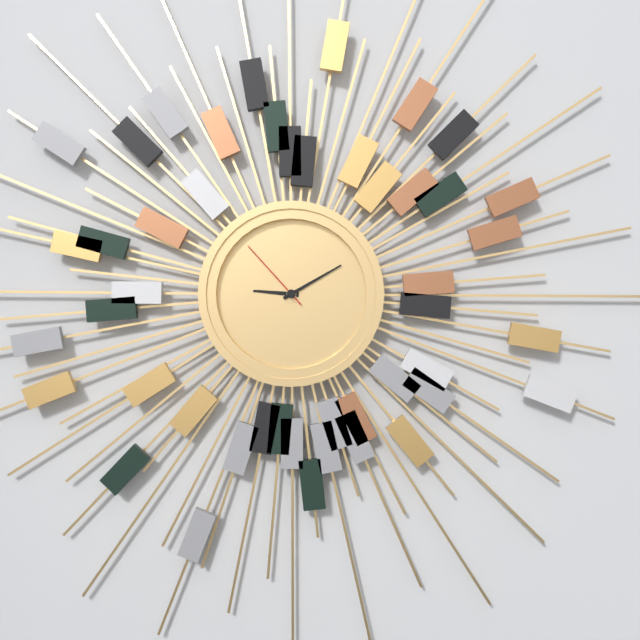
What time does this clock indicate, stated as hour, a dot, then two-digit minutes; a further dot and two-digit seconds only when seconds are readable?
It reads 9.10.53
